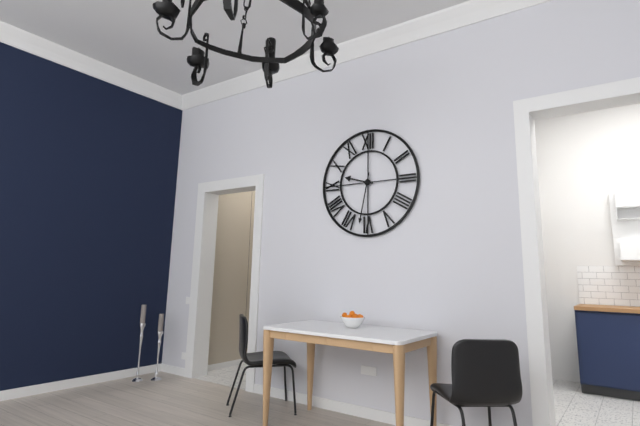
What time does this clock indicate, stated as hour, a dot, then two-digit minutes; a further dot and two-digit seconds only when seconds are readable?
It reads 9.32
